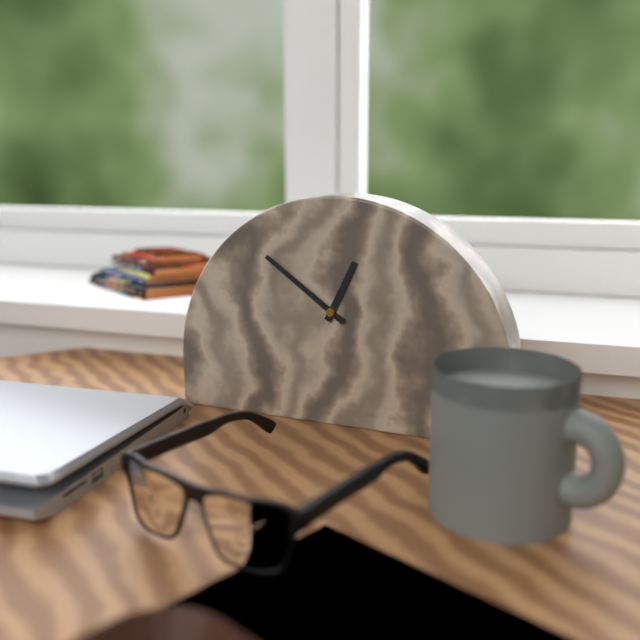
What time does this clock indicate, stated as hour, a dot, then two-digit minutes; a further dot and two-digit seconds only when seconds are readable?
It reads 12.51
